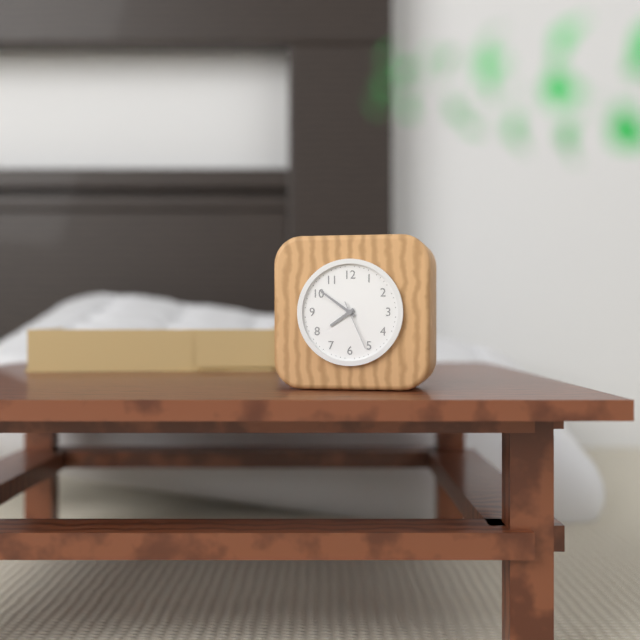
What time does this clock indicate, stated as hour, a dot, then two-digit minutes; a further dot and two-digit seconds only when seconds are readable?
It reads 7.51.26
